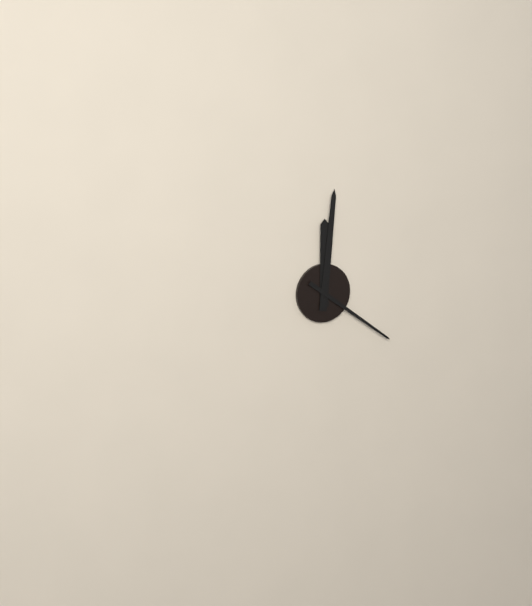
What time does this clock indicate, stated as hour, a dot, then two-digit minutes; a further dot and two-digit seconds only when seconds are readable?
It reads 12.01.21
